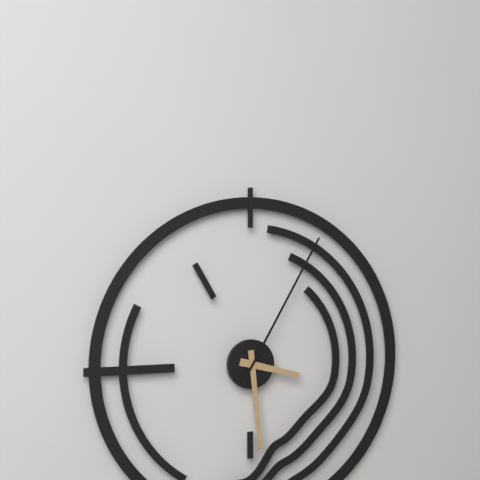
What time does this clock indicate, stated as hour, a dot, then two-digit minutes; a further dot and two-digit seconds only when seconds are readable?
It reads 3.29.05
